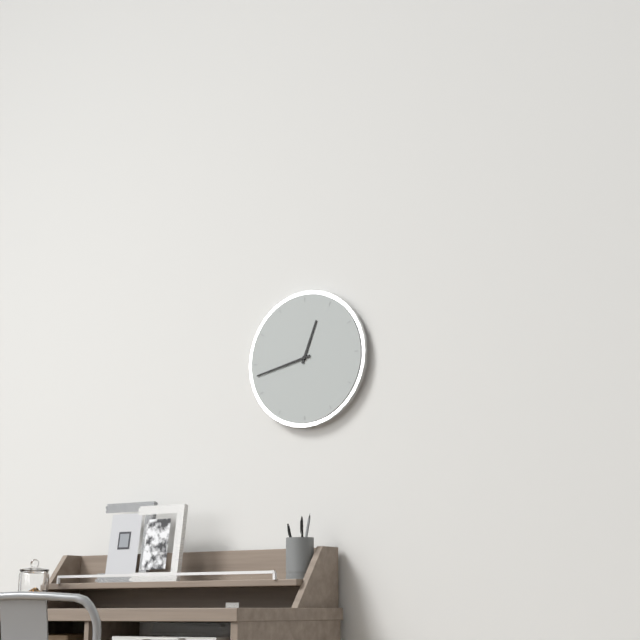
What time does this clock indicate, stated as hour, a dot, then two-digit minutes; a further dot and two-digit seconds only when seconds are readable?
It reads 12.43
